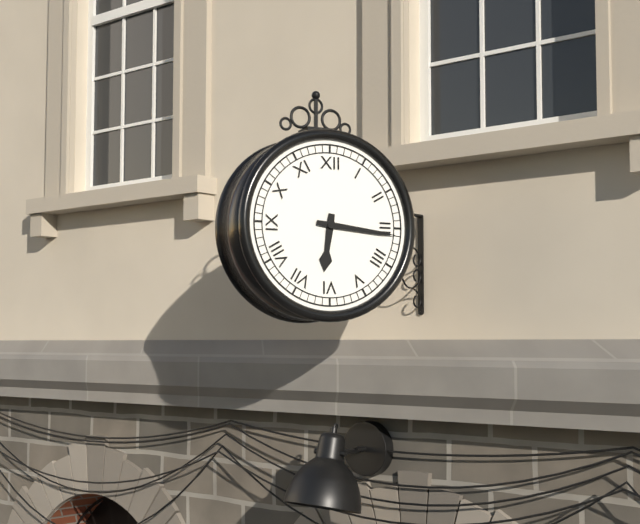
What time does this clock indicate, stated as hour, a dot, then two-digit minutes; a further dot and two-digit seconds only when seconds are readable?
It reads 6.16
